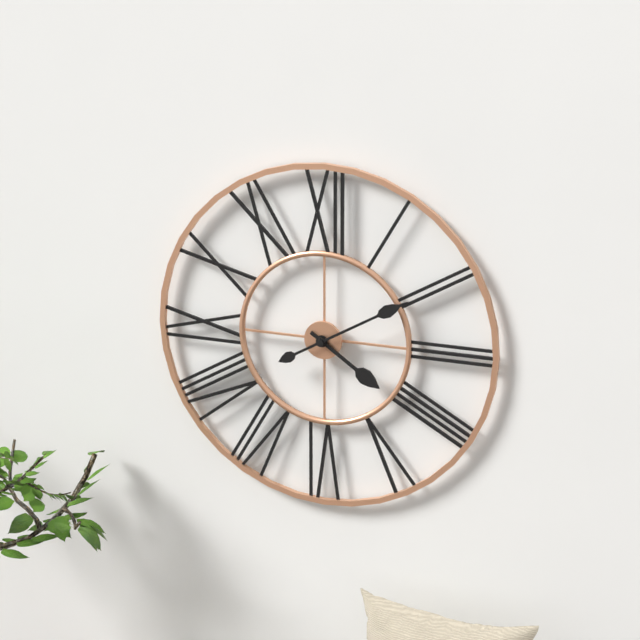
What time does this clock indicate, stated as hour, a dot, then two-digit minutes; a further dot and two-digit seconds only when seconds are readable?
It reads 4.10
